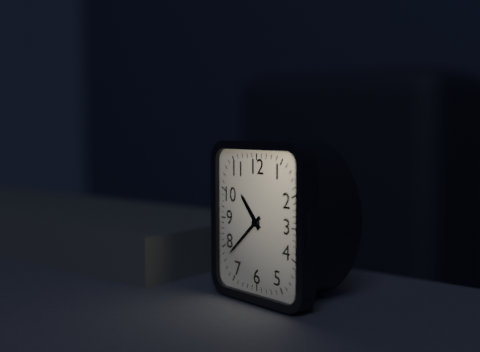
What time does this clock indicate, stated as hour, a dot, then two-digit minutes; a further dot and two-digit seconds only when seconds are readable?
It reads 10.38
